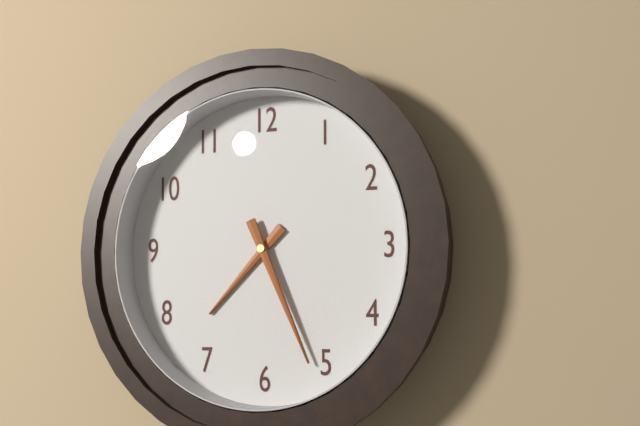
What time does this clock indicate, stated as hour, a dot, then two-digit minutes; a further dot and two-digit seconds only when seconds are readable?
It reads 7.26
